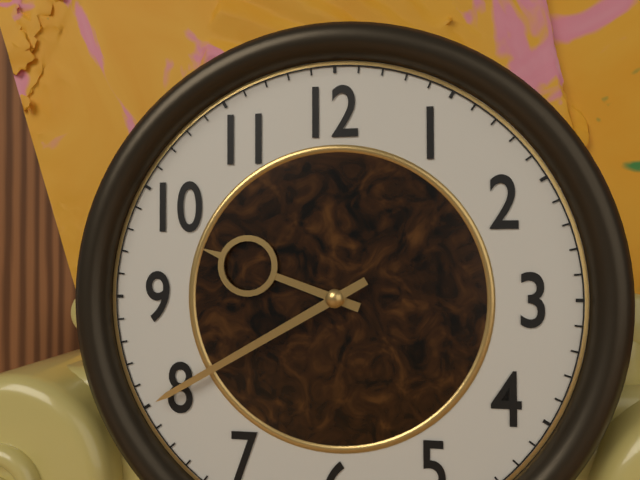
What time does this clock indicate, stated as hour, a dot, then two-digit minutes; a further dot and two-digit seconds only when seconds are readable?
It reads 9.40
